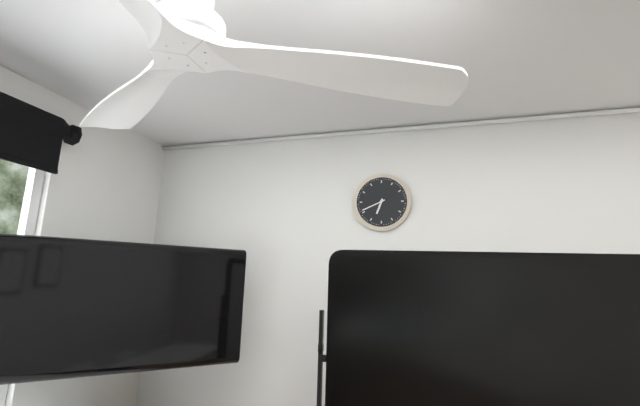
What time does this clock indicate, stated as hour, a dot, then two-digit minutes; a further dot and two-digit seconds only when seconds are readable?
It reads 6.41
